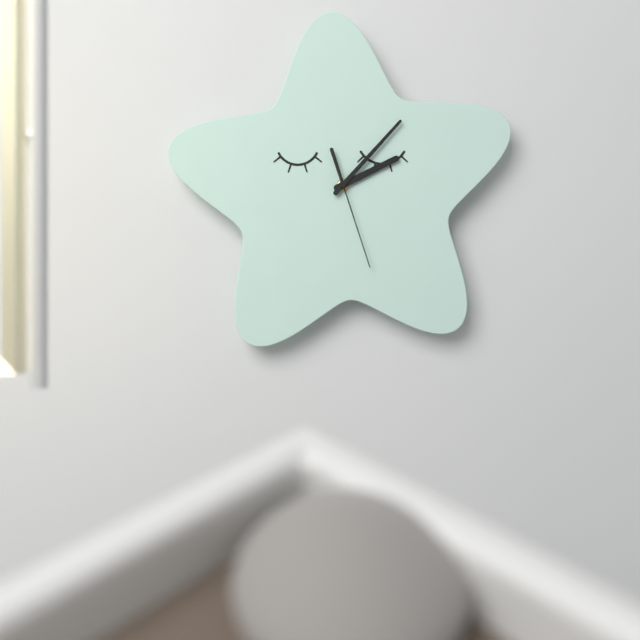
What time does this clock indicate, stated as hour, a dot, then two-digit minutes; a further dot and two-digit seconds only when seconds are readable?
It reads 2.07.27
